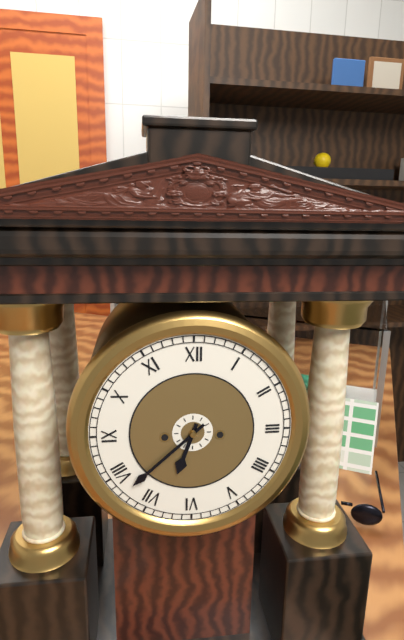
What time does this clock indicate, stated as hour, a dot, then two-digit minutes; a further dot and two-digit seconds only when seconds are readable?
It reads 6.38
